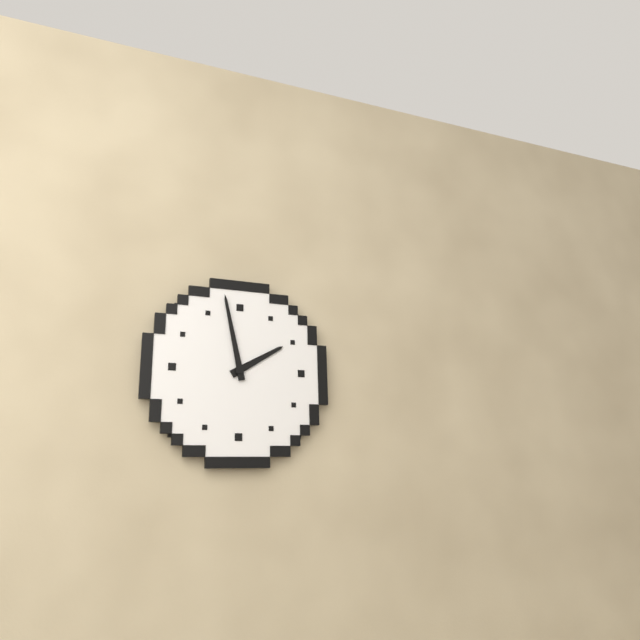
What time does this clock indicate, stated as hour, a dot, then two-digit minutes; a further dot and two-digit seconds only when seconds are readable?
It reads 1.58
